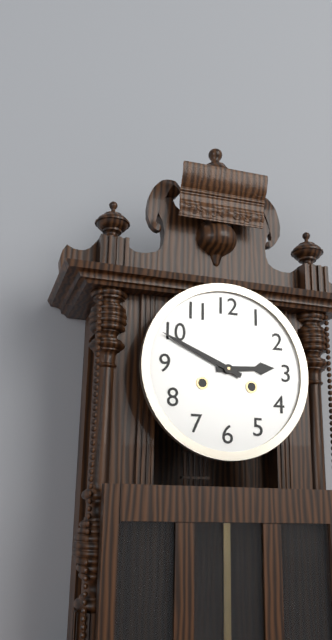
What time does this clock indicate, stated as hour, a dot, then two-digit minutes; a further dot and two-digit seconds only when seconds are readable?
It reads 2.49
